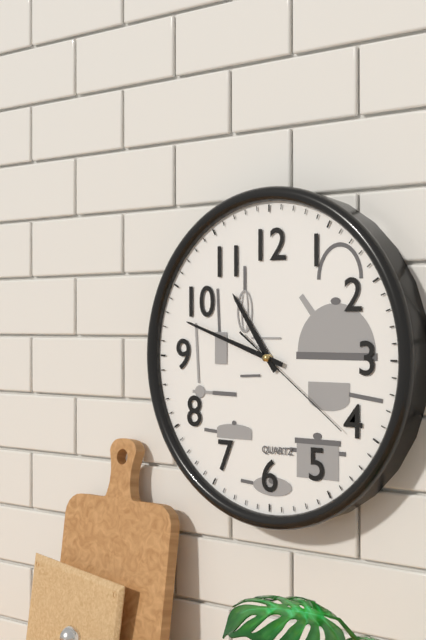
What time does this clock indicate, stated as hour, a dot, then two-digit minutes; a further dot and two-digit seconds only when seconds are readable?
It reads 10.48.21
